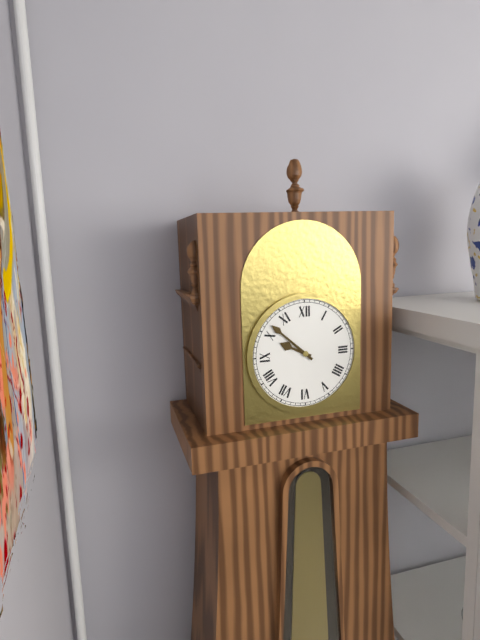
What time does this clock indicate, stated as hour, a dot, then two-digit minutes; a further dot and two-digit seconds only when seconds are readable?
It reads 9.52
